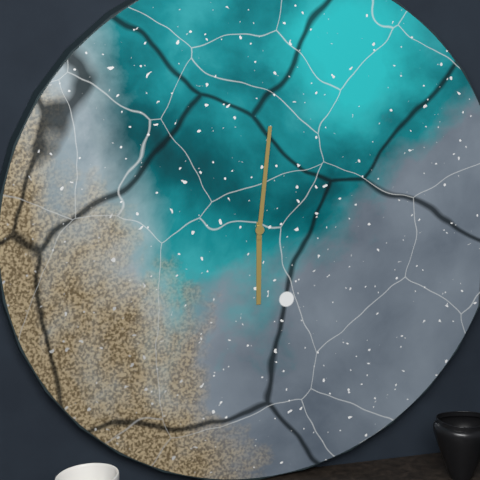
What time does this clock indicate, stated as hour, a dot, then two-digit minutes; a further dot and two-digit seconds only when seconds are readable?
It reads 6.01
